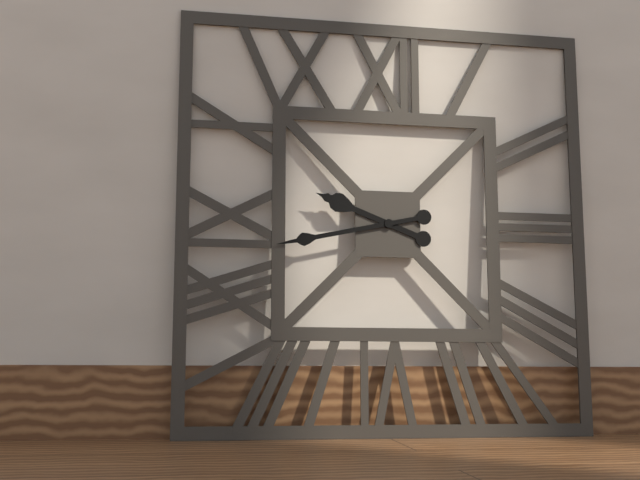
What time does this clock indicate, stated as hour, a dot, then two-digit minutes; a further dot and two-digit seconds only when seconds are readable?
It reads 9.43
